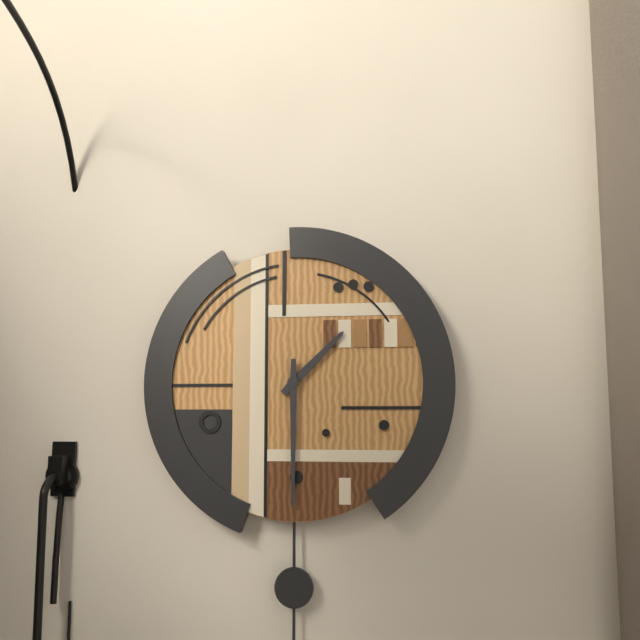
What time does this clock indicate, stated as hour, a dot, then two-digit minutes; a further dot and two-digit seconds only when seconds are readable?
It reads 1.30
